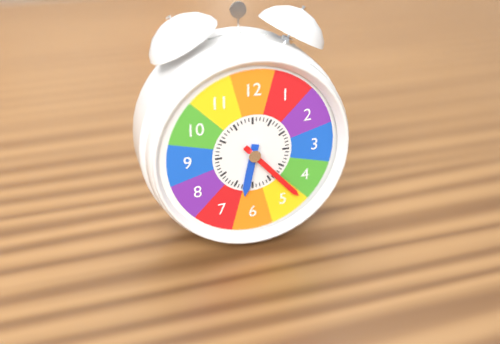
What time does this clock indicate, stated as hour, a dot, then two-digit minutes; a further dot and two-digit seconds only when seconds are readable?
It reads 6.23
